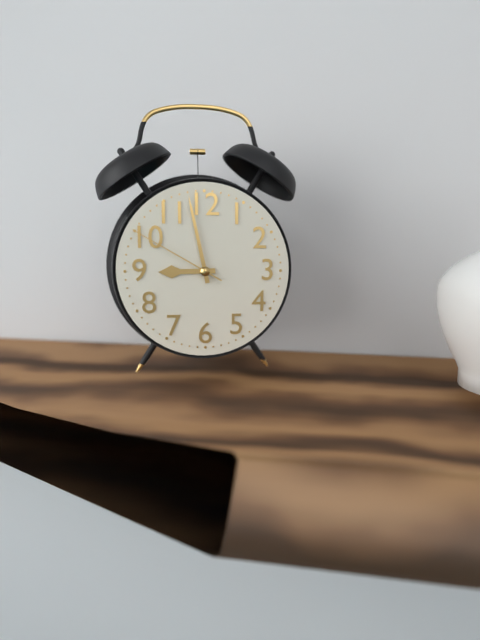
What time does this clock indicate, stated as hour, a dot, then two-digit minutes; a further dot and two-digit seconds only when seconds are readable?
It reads 8.58.50
